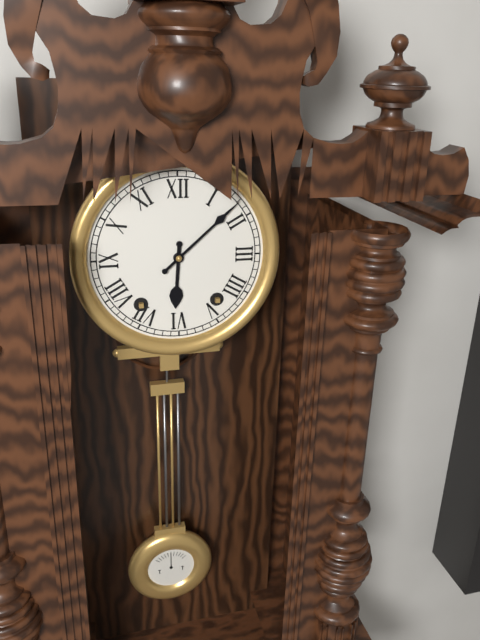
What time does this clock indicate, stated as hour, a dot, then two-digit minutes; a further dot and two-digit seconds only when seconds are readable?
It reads 6.08
